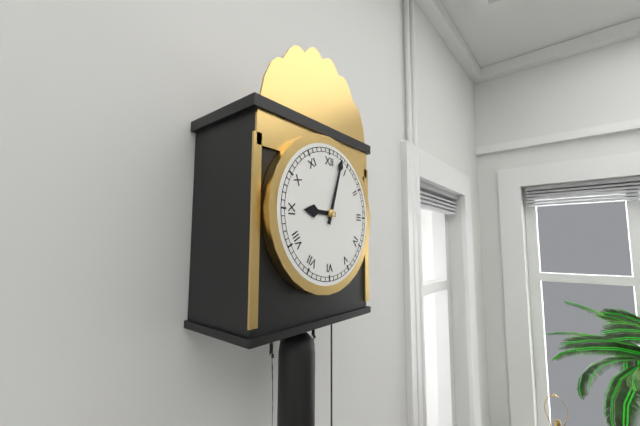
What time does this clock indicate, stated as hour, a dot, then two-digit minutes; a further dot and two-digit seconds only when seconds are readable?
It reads 9.03
